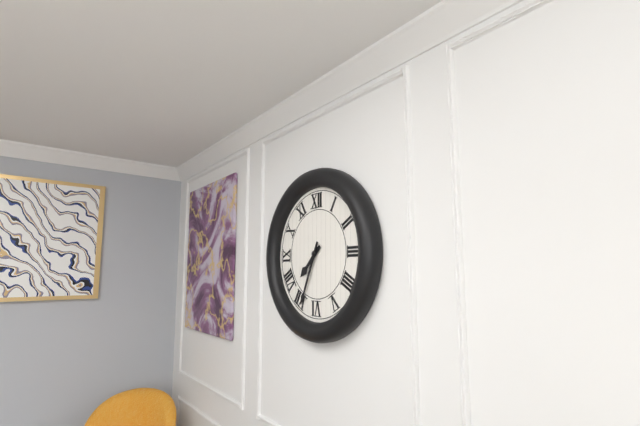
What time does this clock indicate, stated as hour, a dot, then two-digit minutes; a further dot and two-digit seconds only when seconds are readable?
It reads 7.34
